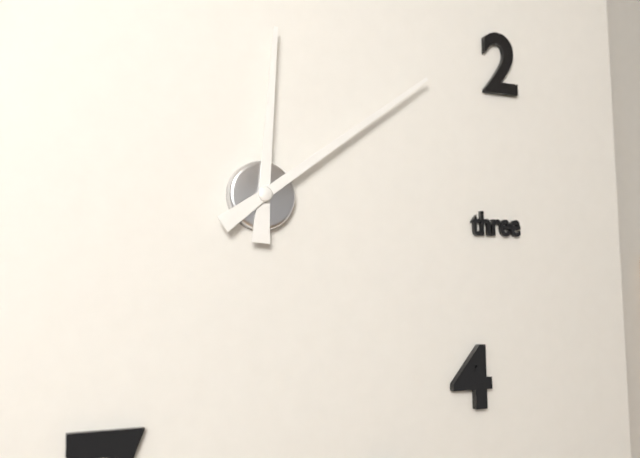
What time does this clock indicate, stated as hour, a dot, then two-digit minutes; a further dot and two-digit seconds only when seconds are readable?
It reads 12.09
